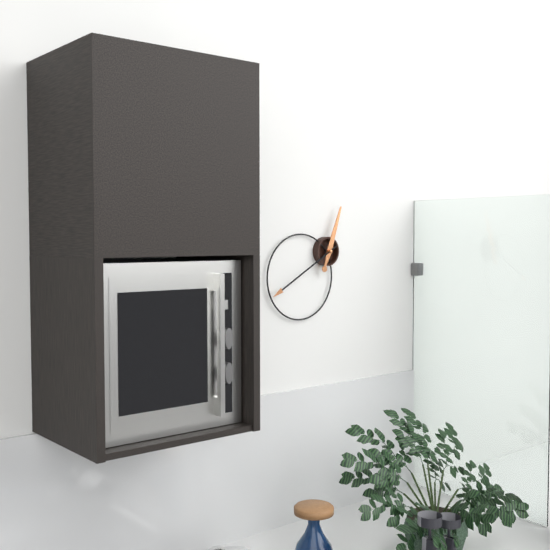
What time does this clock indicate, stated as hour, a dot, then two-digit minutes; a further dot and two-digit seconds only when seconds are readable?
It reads 12.40
